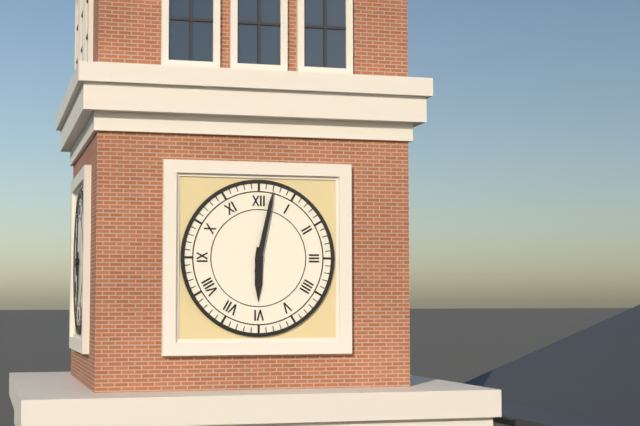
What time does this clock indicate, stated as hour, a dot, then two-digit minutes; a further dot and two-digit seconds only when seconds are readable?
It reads 6.02
